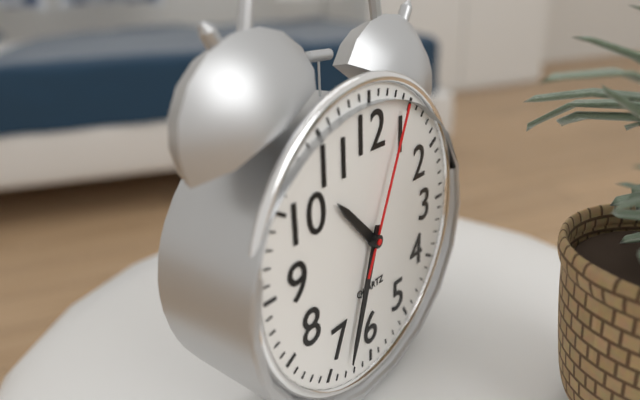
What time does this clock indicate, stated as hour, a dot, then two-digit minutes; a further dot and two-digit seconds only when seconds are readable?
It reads 10.33.04
